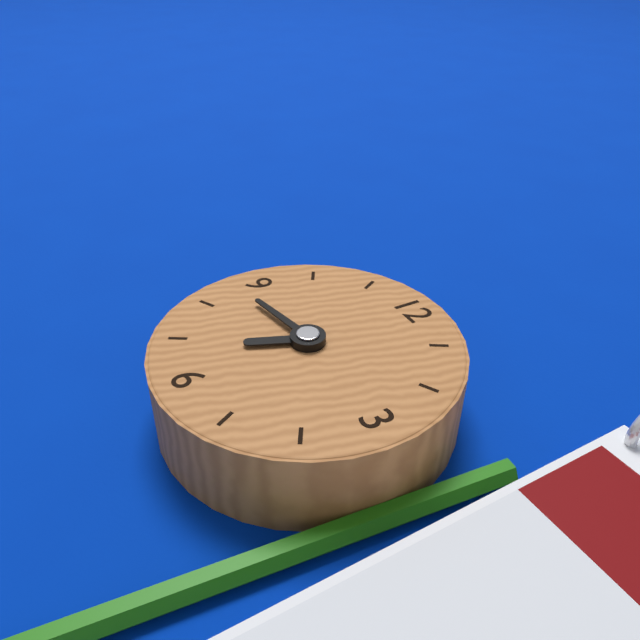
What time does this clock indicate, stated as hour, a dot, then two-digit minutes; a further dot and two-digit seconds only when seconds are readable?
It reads 6.43
